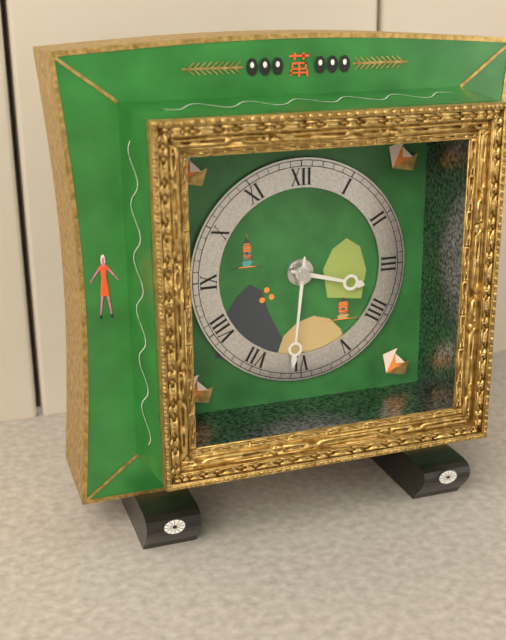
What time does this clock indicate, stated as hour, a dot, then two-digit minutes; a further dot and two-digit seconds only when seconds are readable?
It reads 3.31
